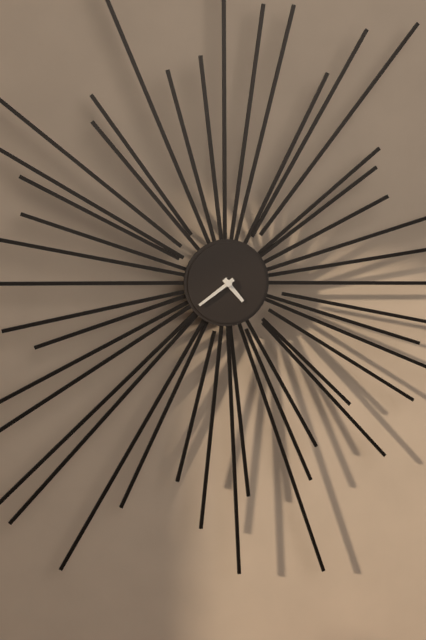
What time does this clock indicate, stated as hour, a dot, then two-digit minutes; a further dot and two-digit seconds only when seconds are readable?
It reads 4.39
